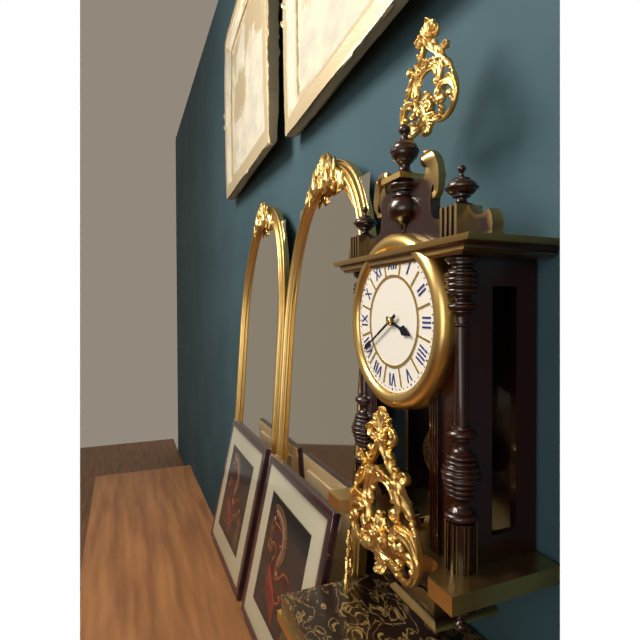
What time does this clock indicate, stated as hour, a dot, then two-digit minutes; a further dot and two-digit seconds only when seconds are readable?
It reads 3.40
